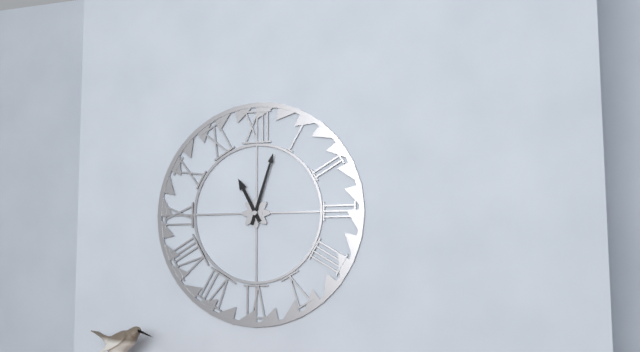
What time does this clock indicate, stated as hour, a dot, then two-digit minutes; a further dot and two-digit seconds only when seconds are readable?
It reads 11.03
